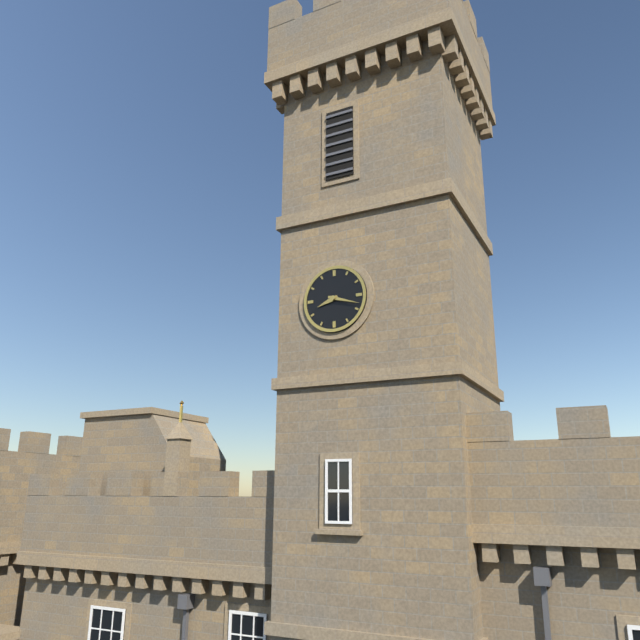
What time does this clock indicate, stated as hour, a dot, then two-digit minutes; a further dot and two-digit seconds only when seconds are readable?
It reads 8.18
